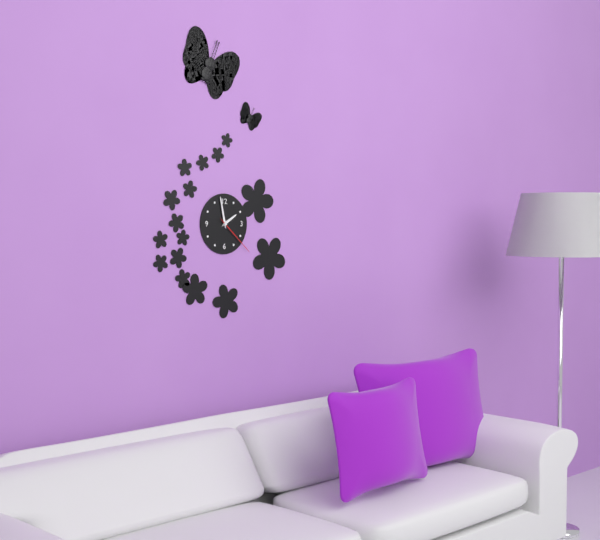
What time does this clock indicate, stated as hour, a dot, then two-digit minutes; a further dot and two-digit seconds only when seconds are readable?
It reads 1.58
